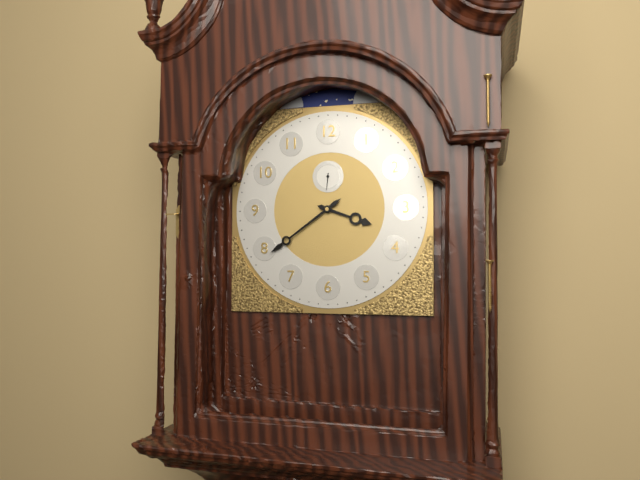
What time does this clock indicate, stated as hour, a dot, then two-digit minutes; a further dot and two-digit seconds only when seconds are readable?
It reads 3.39
